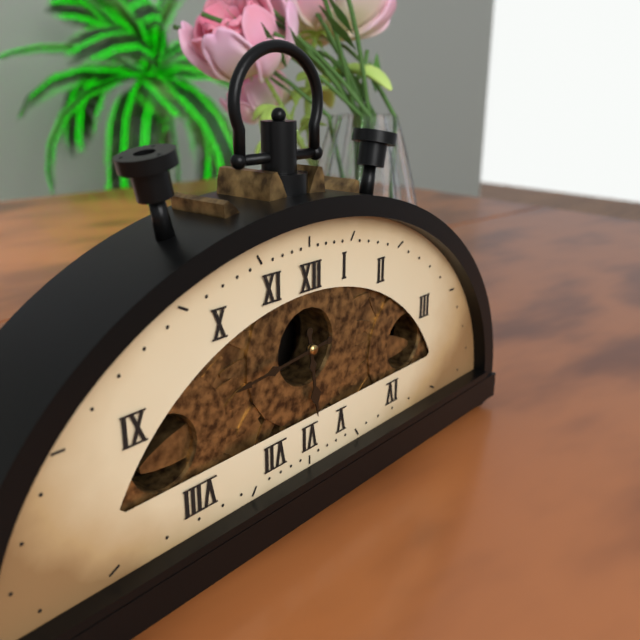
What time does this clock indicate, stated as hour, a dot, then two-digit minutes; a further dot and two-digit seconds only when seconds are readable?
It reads 5.44
